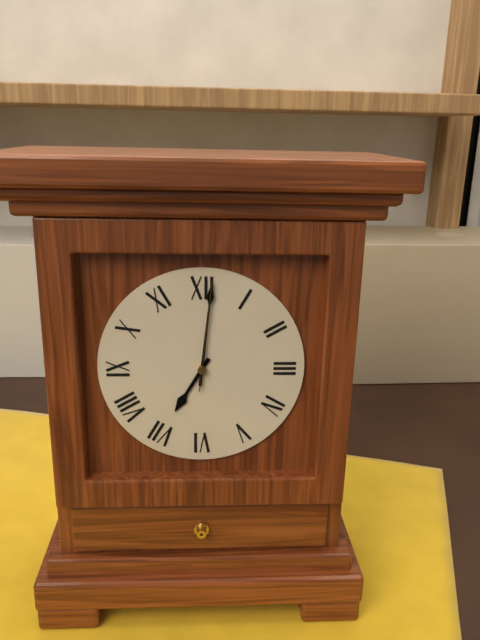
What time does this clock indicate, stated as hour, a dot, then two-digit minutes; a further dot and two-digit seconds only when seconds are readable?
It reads 7.01.01
